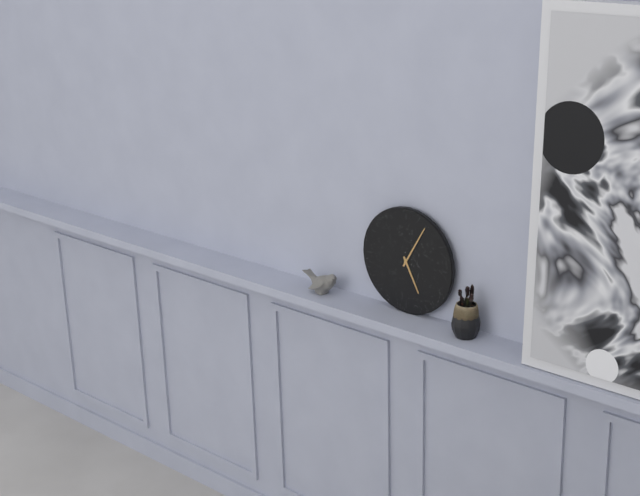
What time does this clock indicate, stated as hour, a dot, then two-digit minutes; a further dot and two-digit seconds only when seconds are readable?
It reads 5.05
